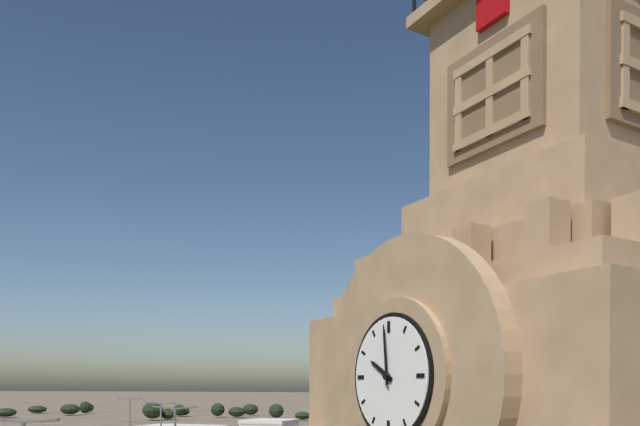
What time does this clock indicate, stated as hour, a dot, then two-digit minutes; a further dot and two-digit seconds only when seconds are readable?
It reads 9.59
